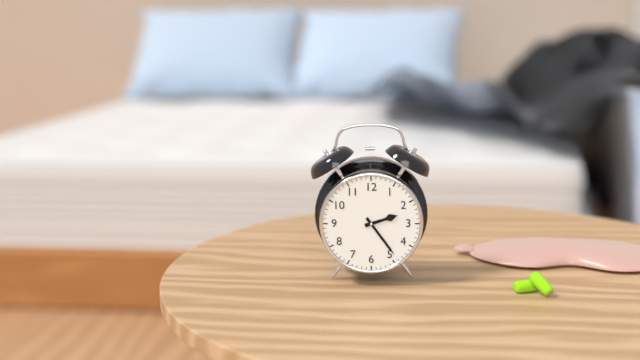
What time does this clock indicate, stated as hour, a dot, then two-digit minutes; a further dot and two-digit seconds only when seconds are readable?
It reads 2.24
